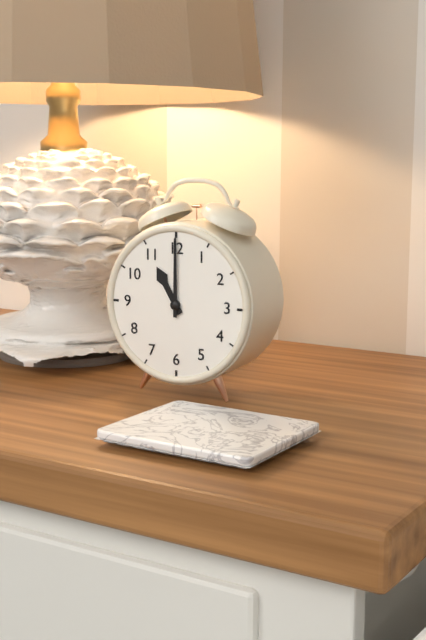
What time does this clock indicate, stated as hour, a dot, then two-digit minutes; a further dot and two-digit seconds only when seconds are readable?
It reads 11.00
